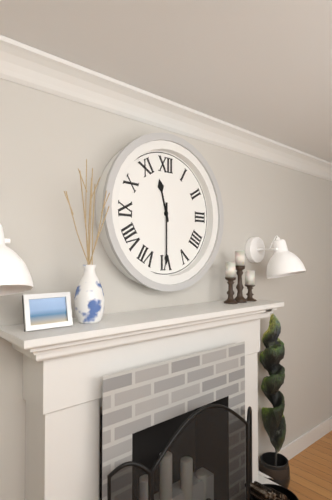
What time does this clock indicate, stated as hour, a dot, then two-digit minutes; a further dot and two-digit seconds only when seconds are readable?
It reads 11.30
